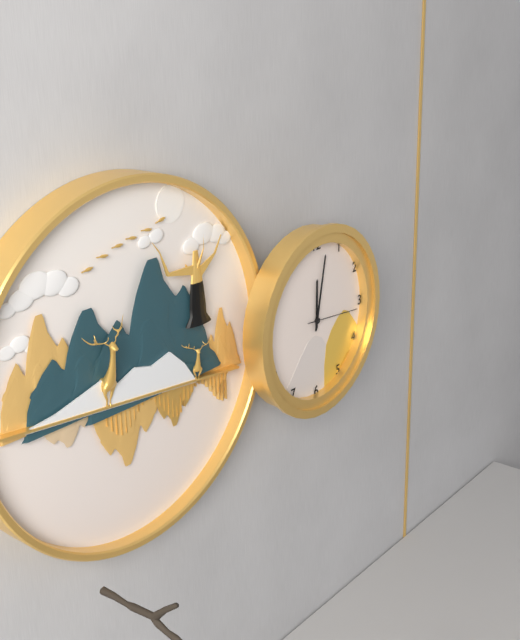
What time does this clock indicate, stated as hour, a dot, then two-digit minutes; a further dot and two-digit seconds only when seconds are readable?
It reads 12.02.16
